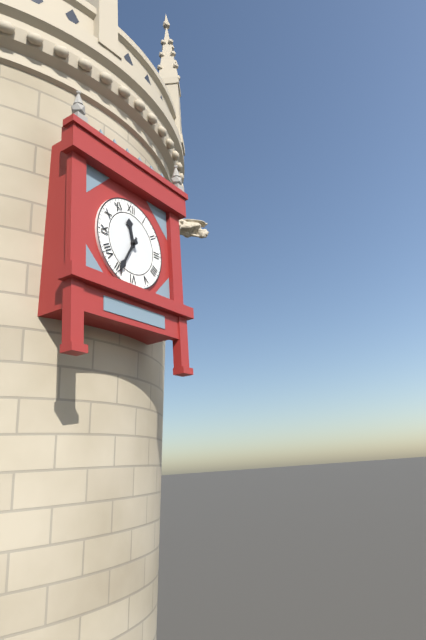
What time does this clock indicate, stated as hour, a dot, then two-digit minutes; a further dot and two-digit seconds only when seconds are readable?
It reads 11.35
